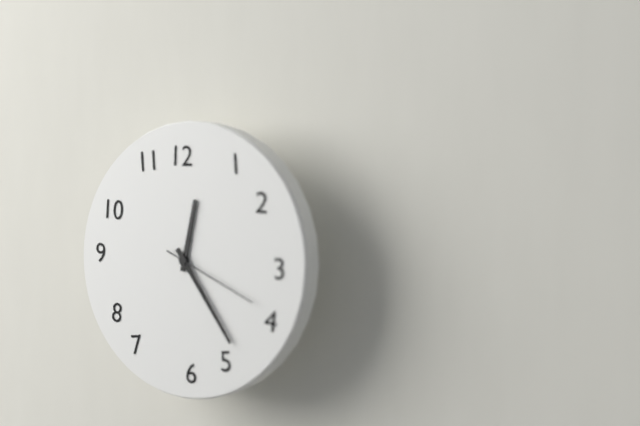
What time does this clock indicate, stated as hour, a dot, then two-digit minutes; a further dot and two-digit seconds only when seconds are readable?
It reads 12.24.19
